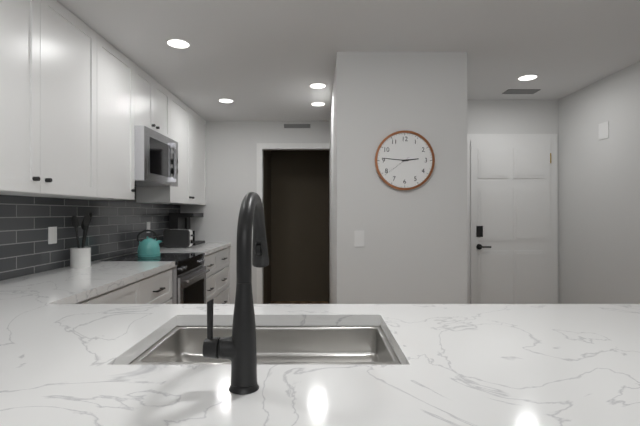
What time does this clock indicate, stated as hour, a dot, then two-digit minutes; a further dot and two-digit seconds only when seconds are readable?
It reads 2.46
